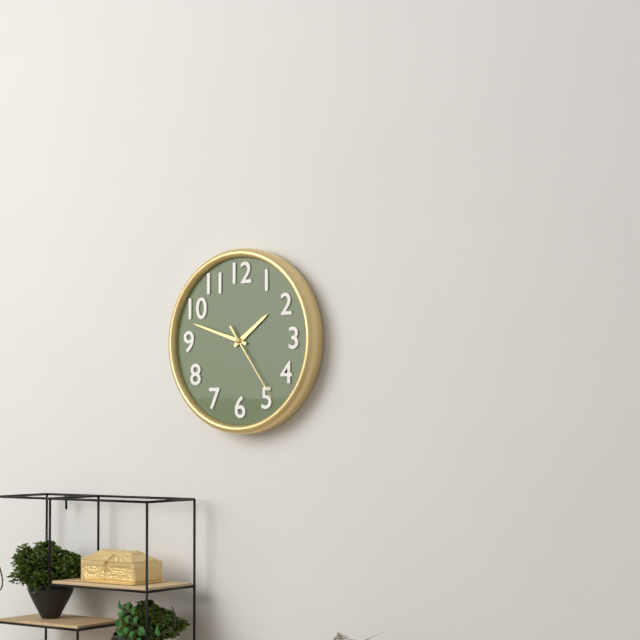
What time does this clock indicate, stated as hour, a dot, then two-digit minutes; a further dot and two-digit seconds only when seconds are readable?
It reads 1.48.24
